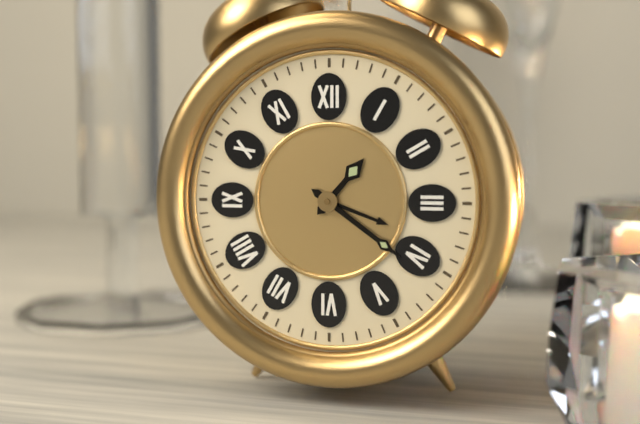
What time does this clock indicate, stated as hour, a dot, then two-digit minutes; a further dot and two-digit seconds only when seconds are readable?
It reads 1.21
